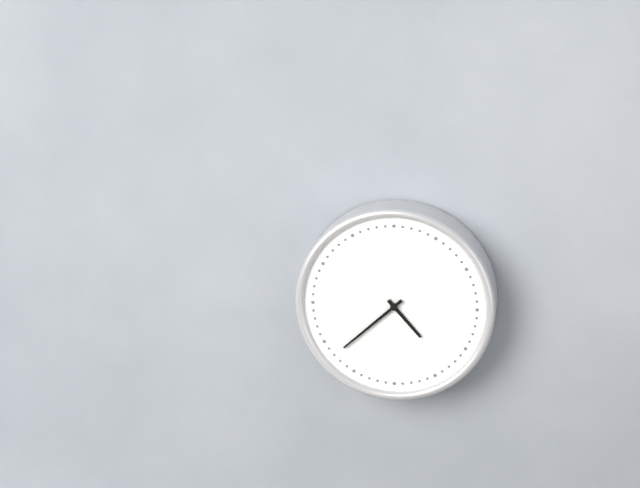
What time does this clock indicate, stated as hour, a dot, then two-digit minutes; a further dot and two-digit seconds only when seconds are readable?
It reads 4.38
